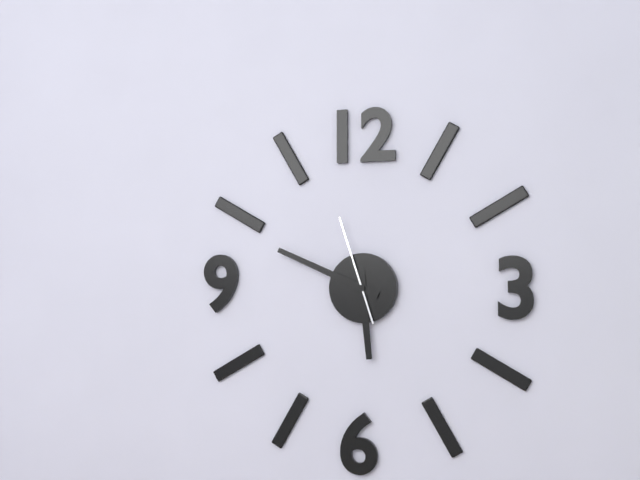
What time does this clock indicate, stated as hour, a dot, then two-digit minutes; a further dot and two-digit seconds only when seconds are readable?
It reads 5.49.57
